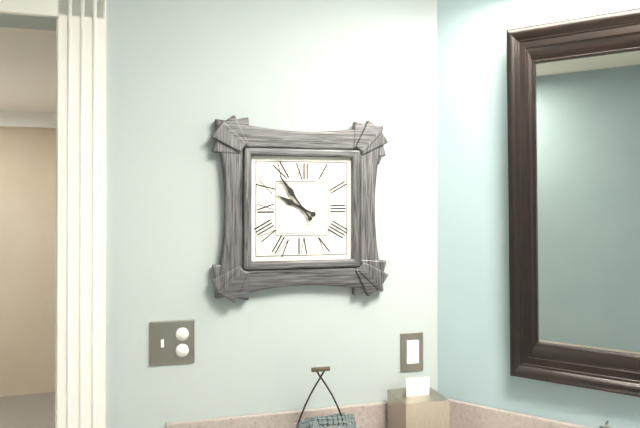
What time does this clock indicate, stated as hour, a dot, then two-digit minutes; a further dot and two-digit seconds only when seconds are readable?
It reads 9.54
